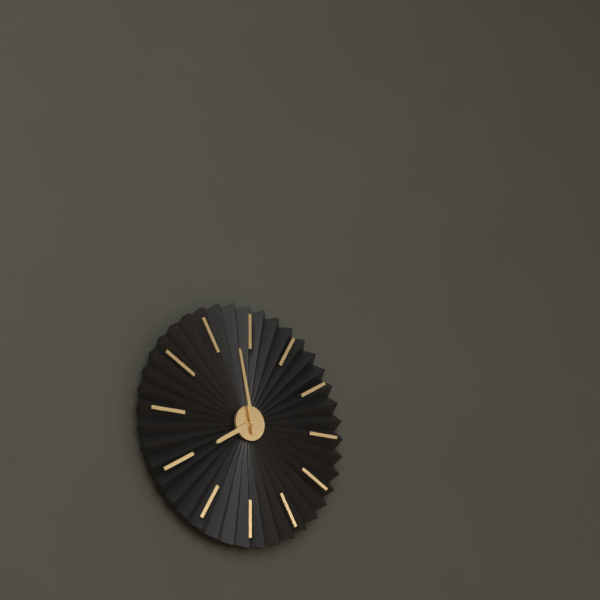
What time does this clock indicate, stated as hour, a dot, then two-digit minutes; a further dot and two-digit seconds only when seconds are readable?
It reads 7.58
